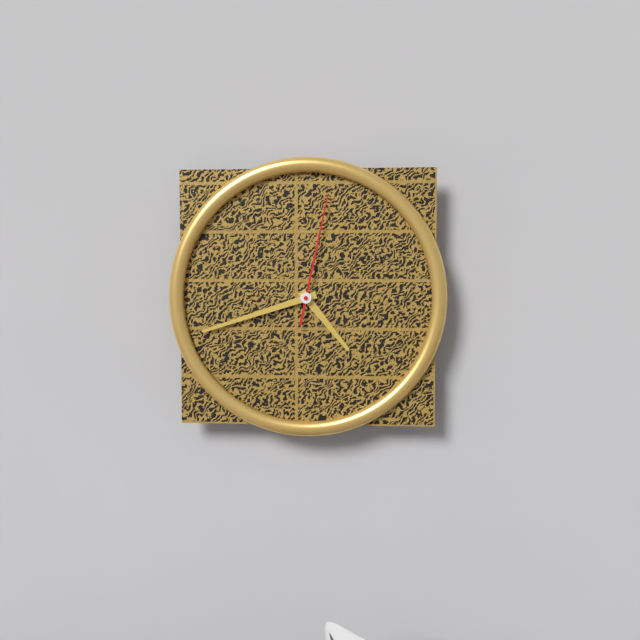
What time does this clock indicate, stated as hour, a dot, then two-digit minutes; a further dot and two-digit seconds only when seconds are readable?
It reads 4.42.02
